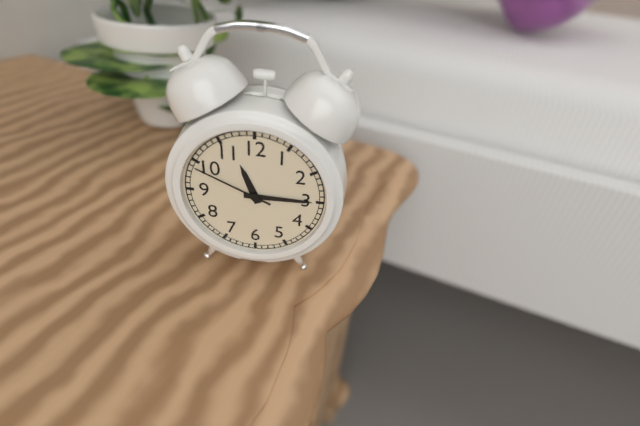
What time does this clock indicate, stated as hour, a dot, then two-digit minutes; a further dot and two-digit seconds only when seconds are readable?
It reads 11.15.49
